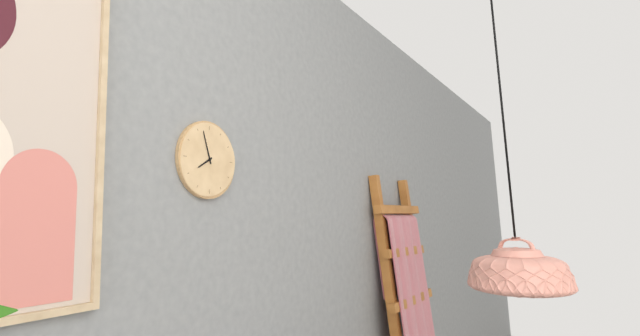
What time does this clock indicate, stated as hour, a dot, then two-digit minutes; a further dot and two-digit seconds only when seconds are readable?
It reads 7.57
